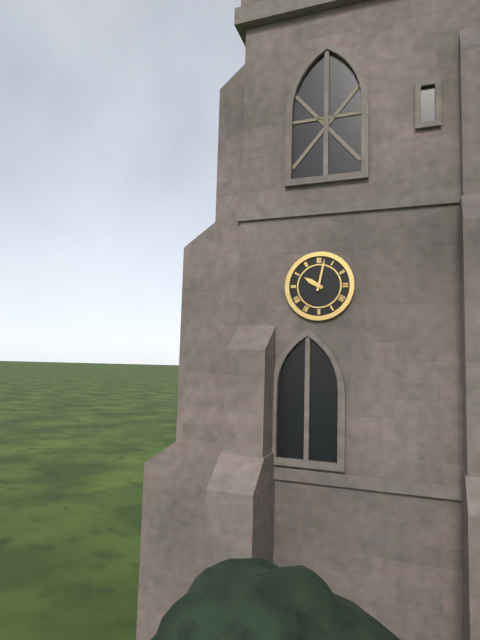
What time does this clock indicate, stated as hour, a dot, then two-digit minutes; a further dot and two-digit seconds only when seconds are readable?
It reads 10.02
